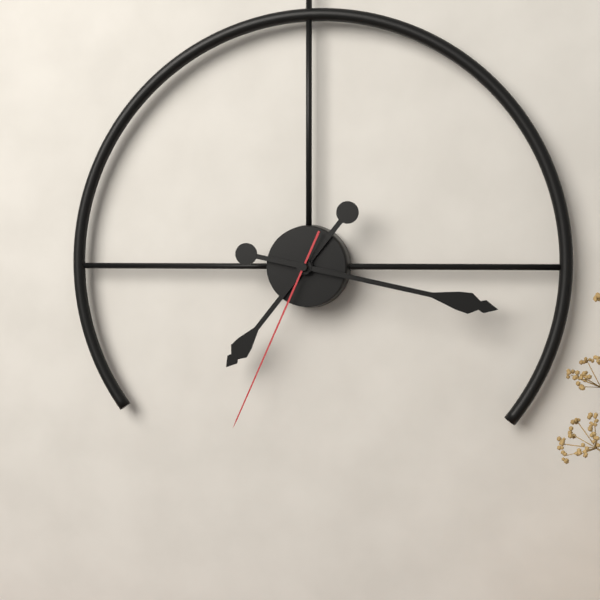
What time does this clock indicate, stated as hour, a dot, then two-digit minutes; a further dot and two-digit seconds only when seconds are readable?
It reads 7.17.34
